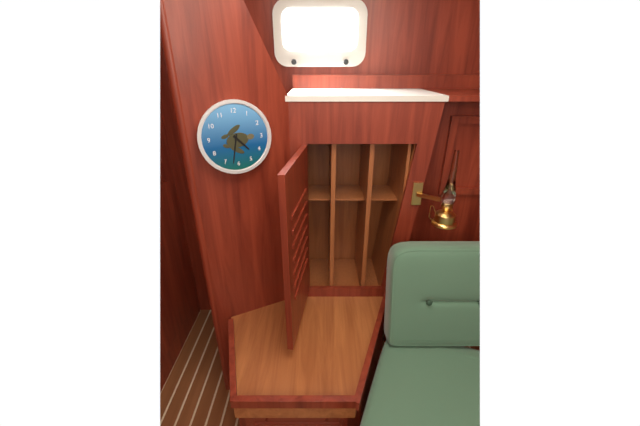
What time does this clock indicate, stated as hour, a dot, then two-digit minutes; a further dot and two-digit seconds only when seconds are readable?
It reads 4.32
